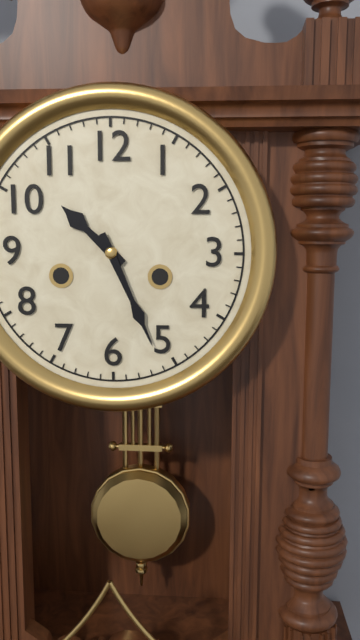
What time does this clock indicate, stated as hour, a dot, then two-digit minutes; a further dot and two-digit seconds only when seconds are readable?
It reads 10.26
